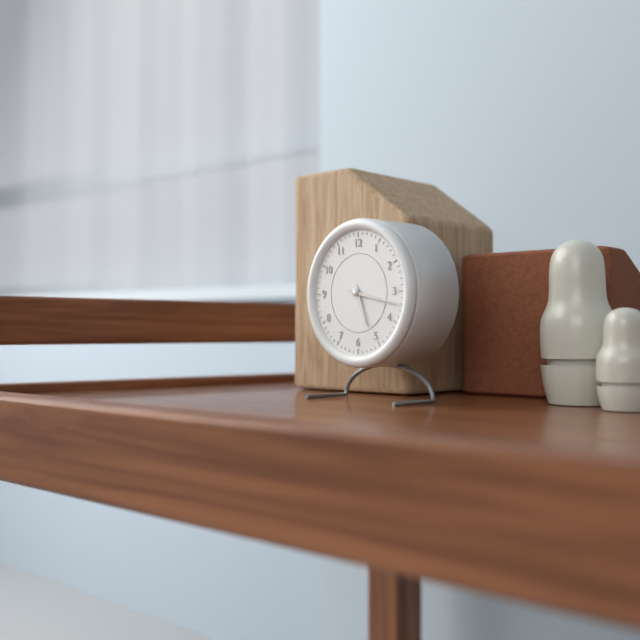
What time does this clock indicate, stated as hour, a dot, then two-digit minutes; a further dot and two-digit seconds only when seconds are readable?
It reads 5.17
